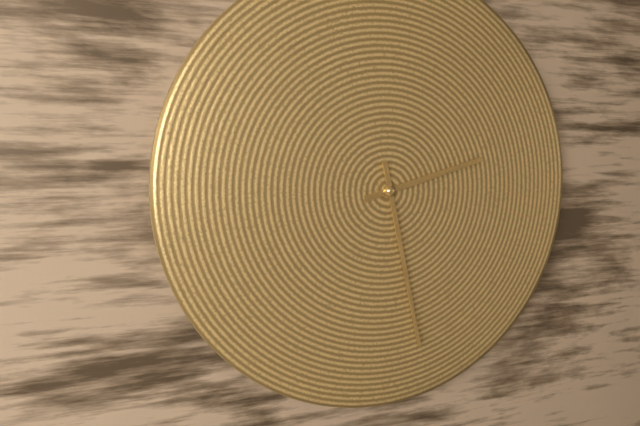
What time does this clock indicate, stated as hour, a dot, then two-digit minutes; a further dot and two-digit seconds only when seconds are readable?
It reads 2.28
